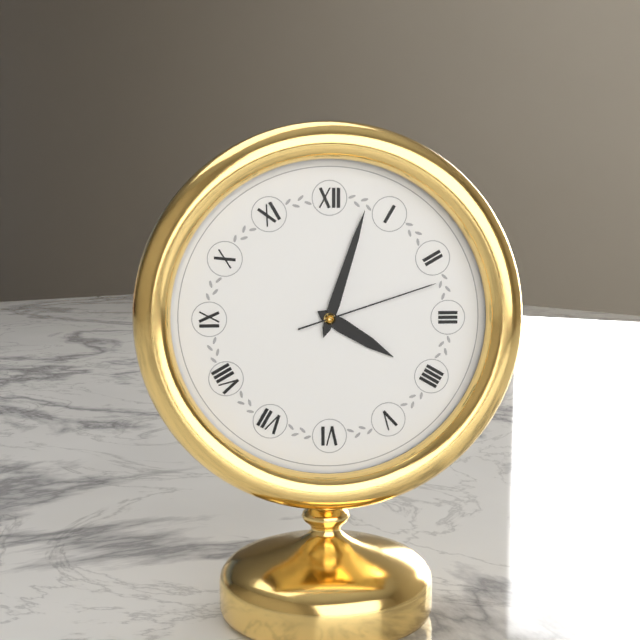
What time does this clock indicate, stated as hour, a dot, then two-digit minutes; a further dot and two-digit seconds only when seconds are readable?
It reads 4.03.12
